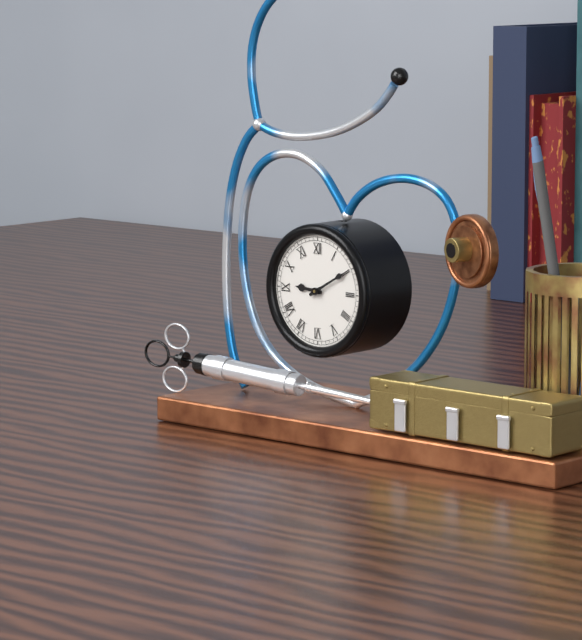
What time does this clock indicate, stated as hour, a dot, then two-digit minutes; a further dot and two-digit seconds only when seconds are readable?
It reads 9.10
